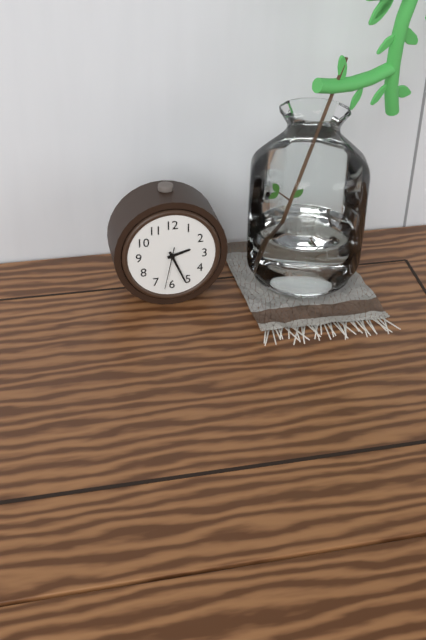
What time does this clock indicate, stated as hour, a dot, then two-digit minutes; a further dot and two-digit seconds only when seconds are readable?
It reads 2.26
